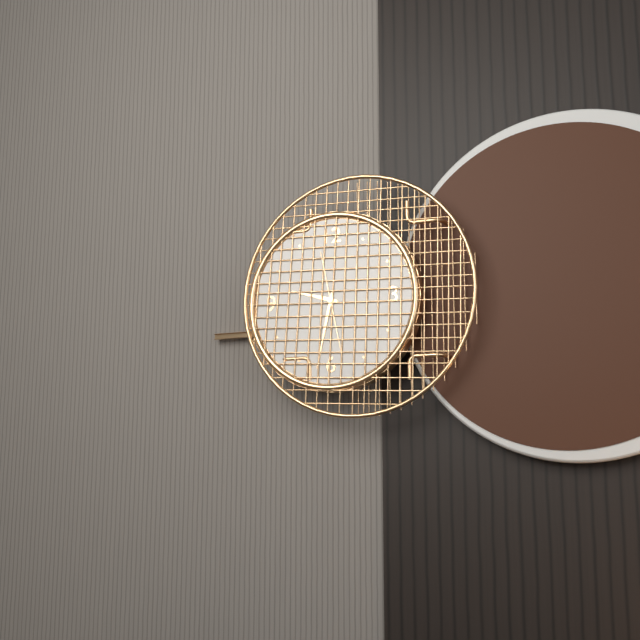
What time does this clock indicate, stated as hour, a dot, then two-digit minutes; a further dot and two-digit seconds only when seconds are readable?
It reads 9.32.28
